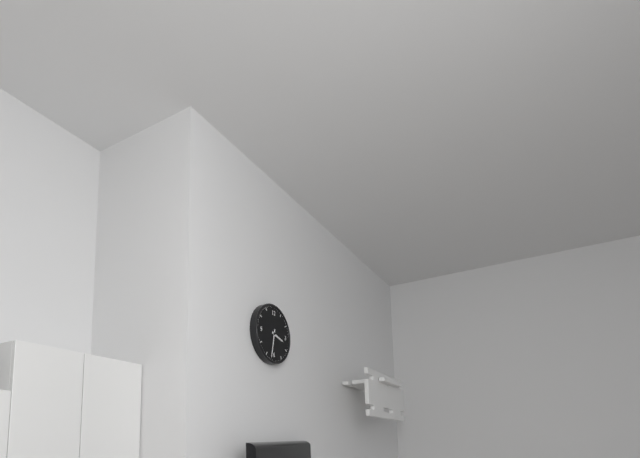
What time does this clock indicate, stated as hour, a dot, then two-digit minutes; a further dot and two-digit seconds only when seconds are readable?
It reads 3.32
